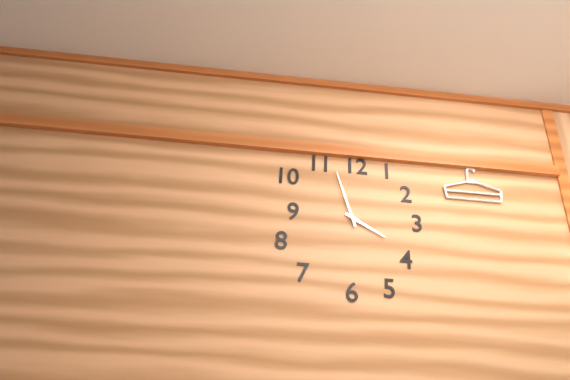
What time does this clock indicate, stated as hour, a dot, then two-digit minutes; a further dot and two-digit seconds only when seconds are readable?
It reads 3.57
